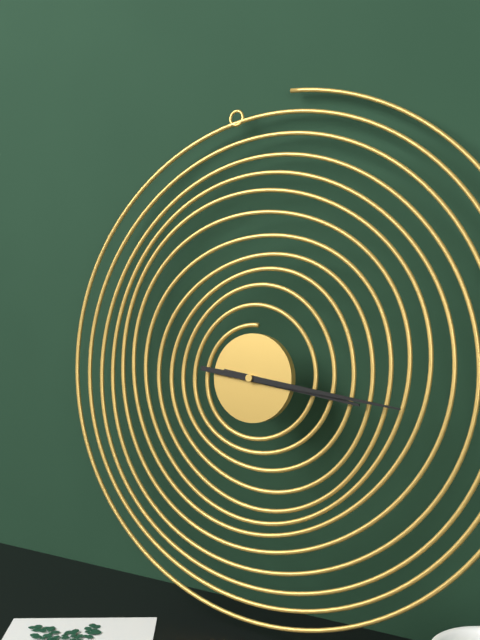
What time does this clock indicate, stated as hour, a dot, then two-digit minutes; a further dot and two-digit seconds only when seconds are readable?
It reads 3.16
